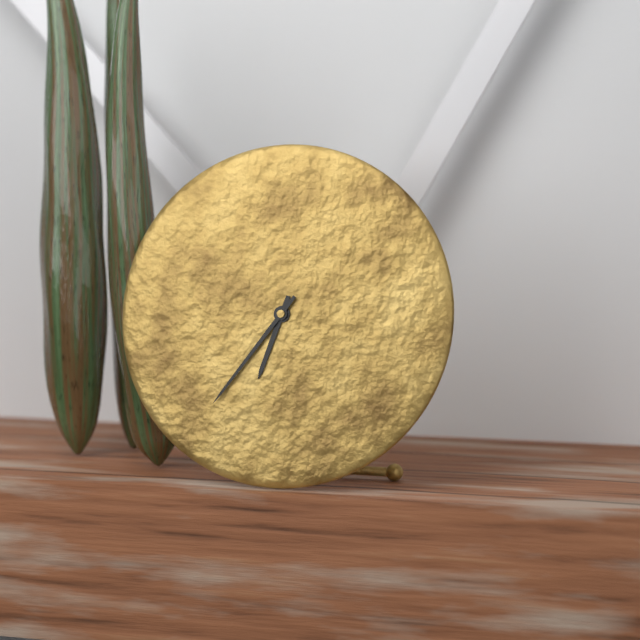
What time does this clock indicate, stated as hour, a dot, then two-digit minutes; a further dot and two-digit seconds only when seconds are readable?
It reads 6.36
